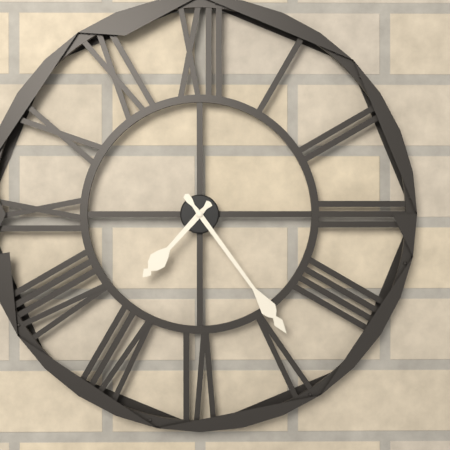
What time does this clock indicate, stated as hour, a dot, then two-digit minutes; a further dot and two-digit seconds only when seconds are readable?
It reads 7.24
